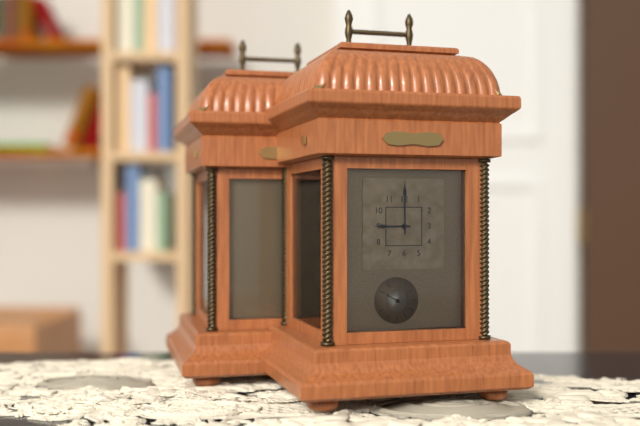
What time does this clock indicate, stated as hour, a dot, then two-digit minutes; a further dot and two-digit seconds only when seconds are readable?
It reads 9.00
